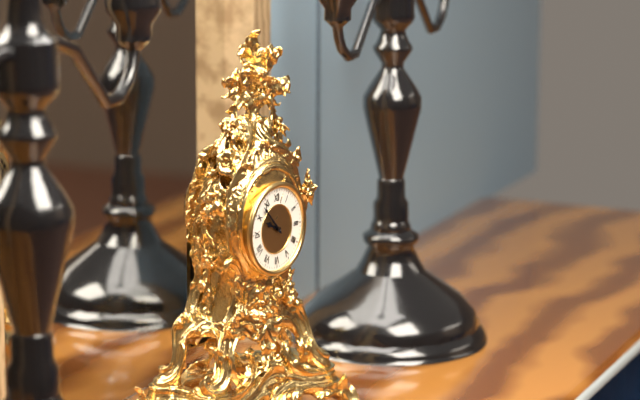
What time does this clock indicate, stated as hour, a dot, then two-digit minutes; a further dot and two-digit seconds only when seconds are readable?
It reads 9.53
